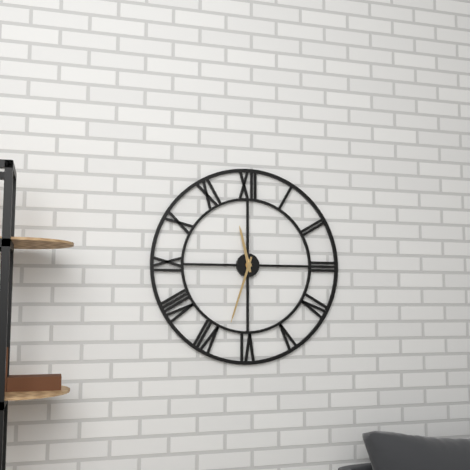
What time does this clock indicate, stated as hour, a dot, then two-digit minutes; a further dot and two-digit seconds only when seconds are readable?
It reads 11.33
